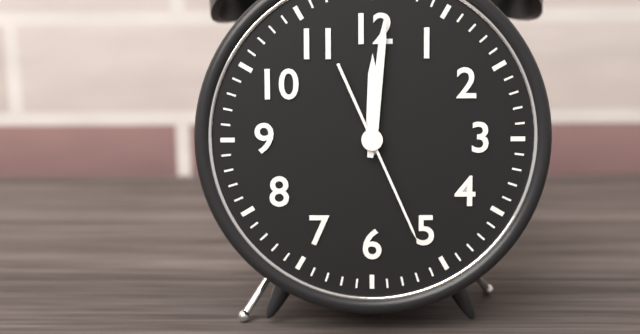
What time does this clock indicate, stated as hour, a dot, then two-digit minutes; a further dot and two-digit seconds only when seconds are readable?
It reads 12.01.26
